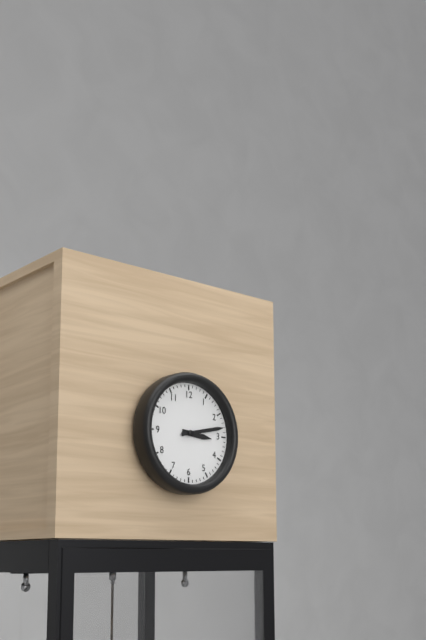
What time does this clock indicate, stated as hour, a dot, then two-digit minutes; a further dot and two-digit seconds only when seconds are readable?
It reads 3.13
